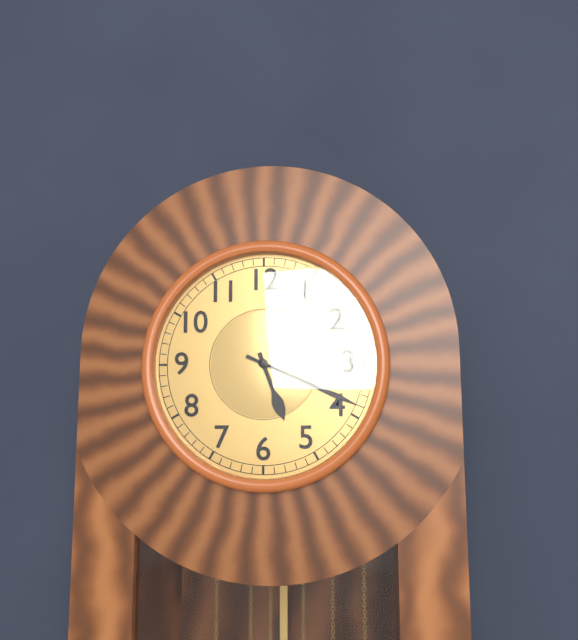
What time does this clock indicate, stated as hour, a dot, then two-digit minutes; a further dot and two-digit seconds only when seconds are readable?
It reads 5.19
